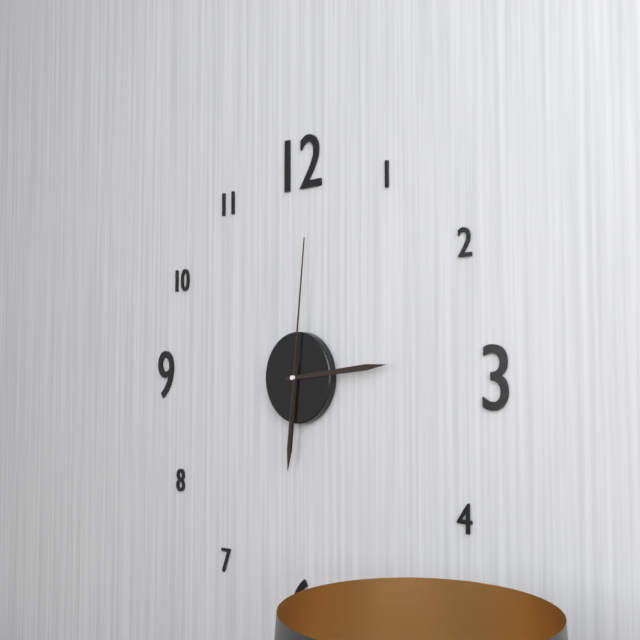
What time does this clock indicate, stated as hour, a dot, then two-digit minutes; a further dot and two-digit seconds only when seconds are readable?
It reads 6.14.01
